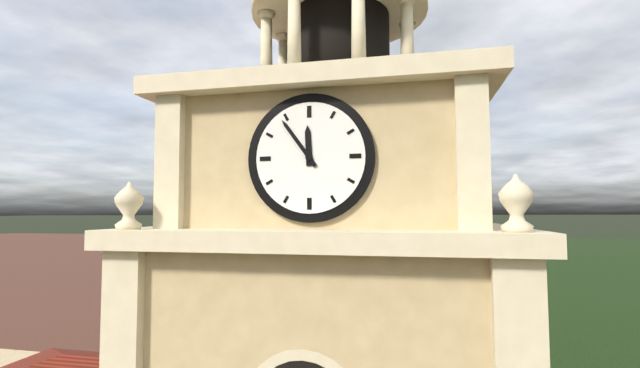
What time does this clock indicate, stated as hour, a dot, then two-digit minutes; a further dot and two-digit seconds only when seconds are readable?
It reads 11.54
